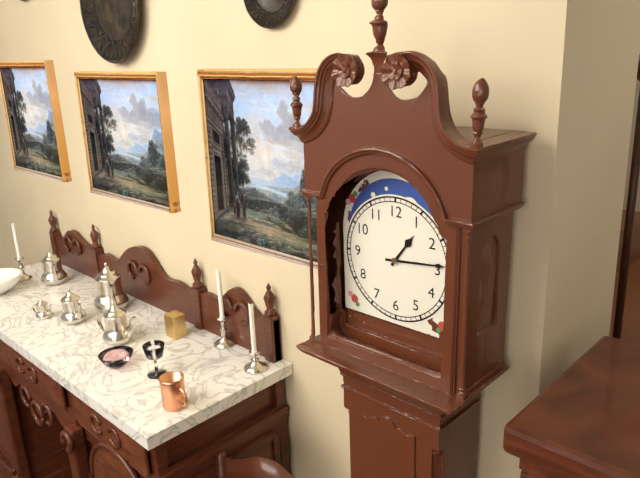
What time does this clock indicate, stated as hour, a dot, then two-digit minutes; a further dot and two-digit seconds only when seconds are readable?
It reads 1.14
